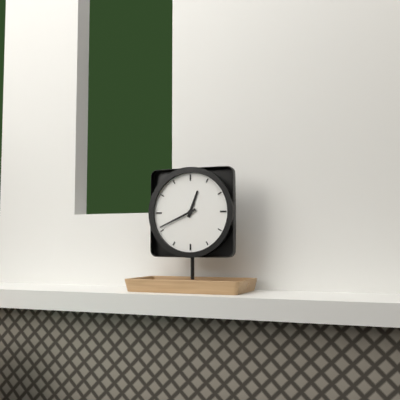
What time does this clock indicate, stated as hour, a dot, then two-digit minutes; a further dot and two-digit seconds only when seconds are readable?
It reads 12.41
